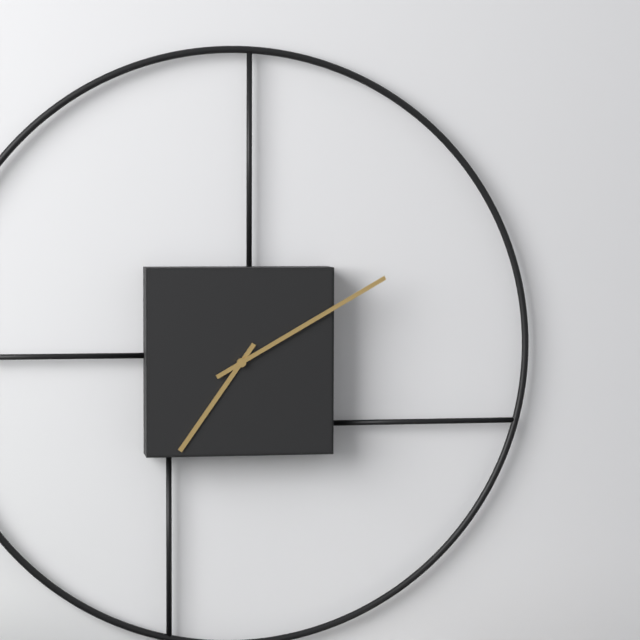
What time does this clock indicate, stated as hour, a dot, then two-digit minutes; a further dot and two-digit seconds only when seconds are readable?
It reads 7.10
